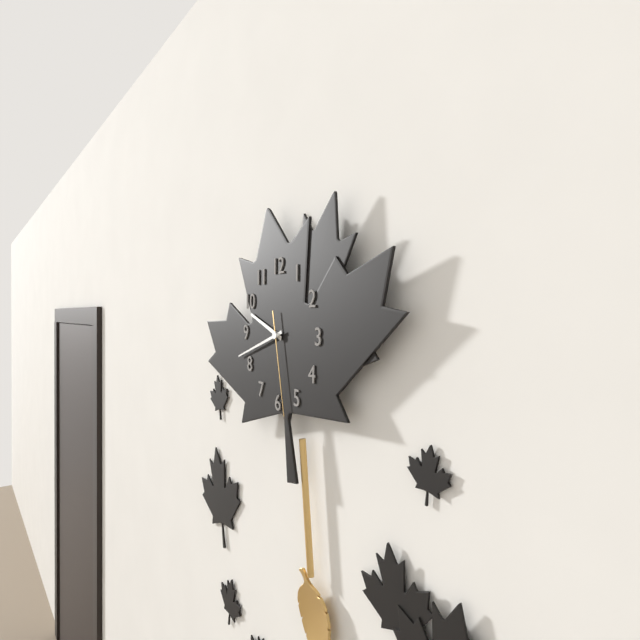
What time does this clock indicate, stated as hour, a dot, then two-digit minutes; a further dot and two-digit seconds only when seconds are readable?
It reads 9.42.28
